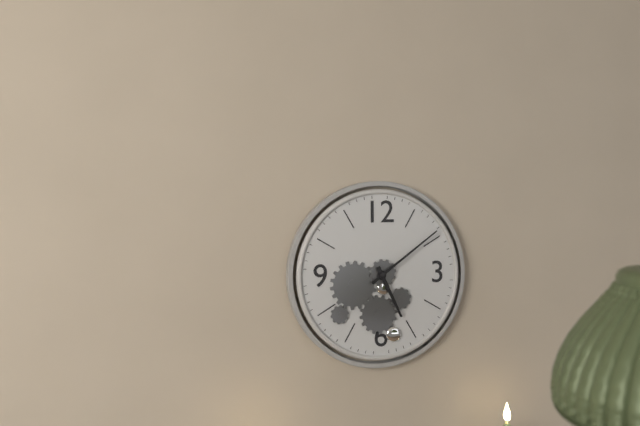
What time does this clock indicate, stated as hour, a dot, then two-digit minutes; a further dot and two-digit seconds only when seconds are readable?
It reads 5.09
